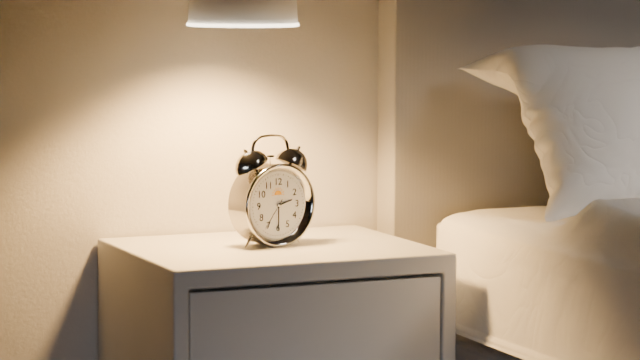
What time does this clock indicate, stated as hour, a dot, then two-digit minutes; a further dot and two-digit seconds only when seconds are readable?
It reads 2.30
